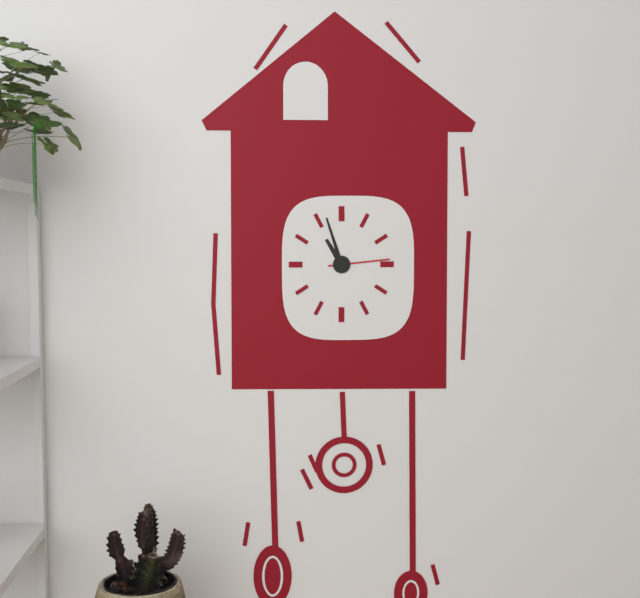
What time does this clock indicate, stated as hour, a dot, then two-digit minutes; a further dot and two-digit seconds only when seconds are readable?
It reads 10.57.14
